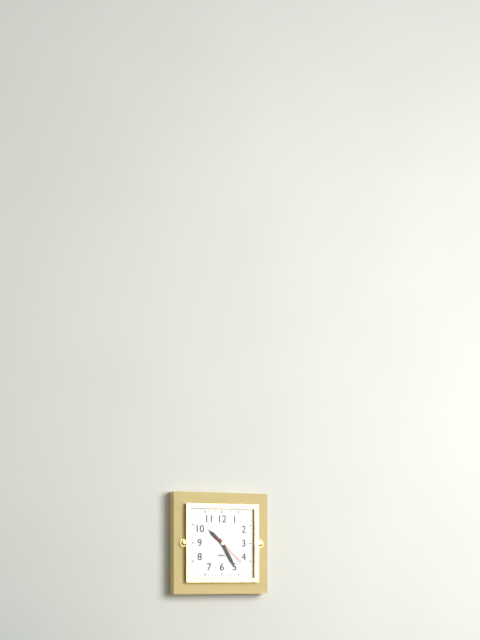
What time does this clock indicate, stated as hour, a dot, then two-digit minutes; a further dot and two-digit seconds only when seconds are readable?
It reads 10.25
